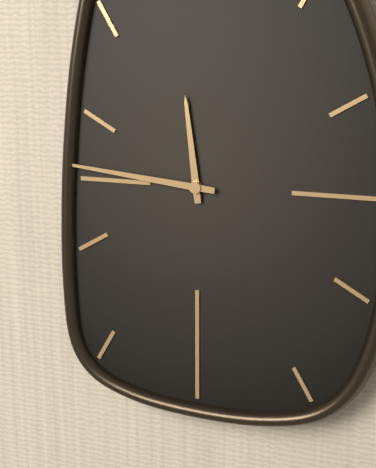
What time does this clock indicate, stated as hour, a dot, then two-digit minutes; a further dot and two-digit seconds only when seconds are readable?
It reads 11.46
